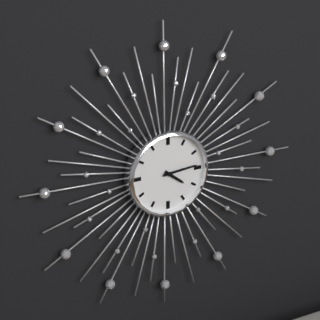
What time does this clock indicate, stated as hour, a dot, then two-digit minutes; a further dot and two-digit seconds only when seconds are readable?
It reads 4.14
